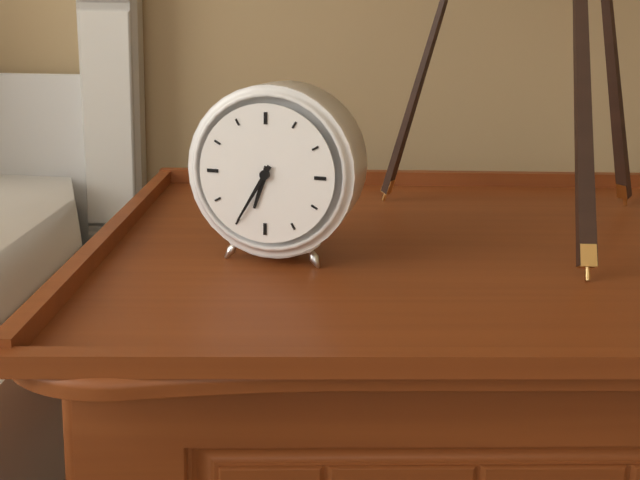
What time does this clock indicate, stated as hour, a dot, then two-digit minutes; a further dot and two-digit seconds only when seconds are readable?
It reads 6.35
